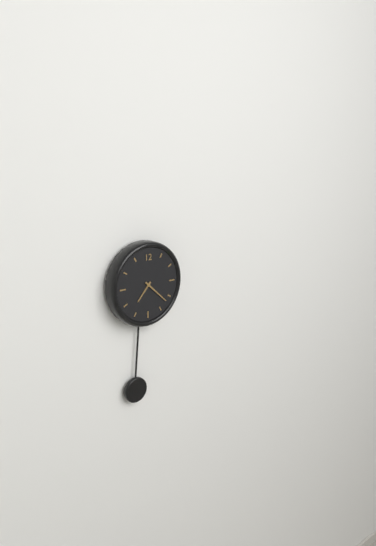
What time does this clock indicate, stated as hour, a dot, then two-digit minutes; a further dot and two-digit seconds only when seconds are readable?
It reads 7.22
